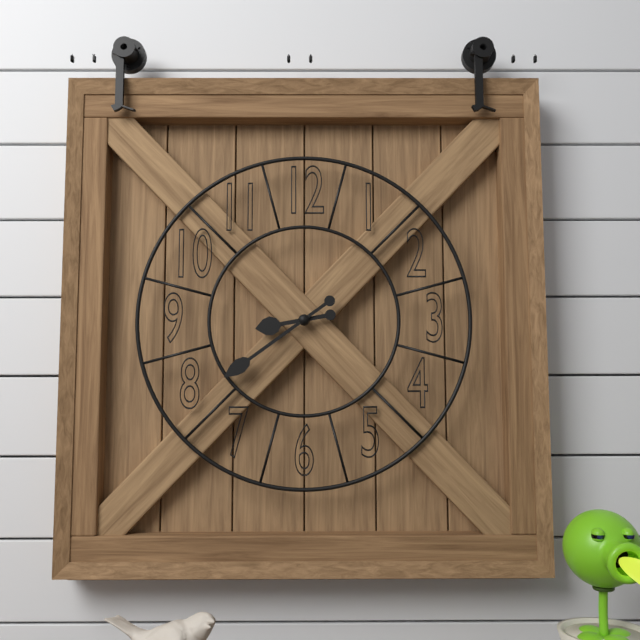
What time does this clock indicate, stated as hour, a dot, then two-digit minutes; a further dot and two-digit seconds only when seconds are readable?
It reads 8.39
